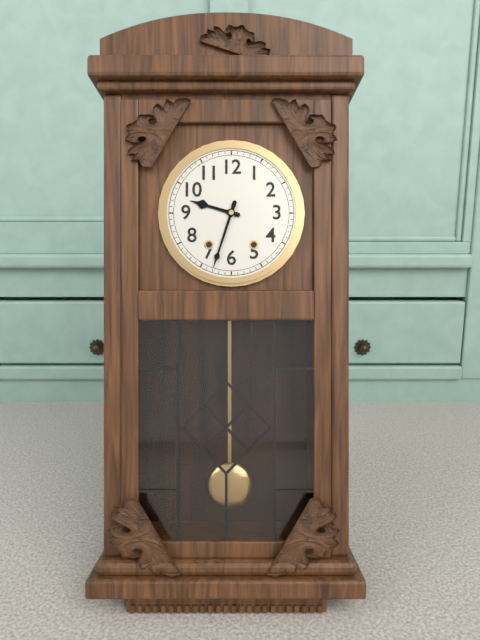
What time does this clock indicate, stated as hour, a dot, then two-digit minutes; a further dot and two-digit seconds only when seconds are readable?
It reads 9.33
